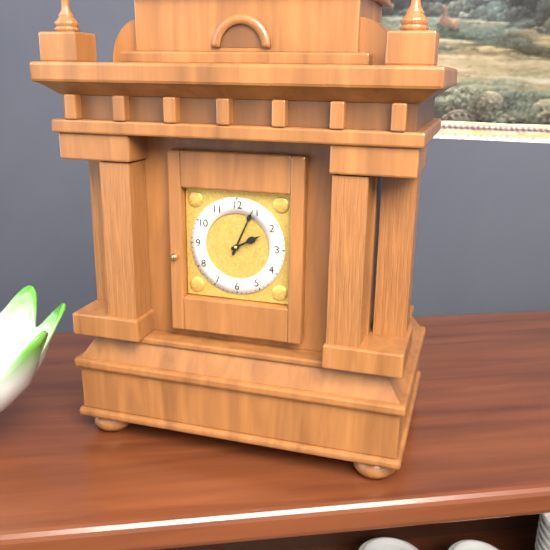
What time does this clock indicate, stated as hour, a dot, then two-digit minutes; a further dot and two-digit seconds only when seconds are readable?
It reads 2.04
